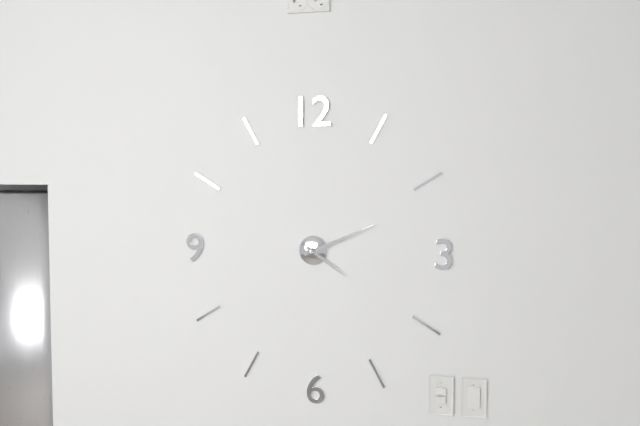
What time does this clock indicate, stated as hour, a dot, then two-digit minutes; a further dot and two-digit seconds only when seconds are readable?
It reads 4.11
